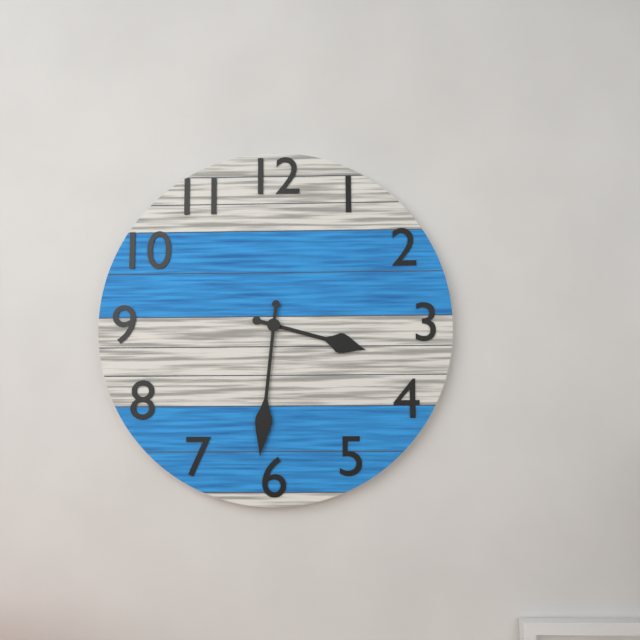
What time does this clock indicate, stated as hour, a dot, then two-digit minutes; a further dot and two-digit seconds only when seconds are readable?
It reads 3.31
